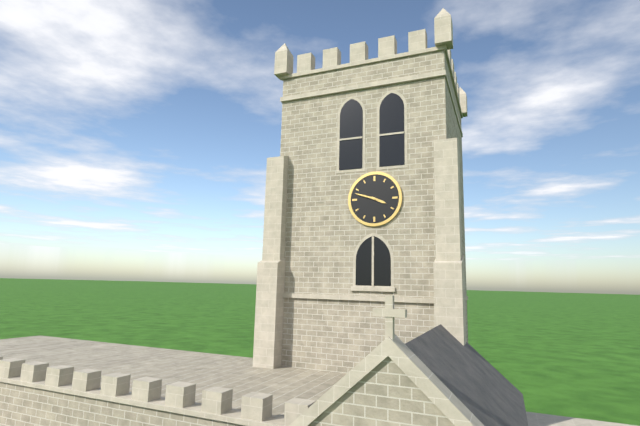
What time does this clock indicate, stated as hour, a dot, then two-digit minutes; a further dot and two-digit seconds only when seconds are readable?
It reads 3.48
